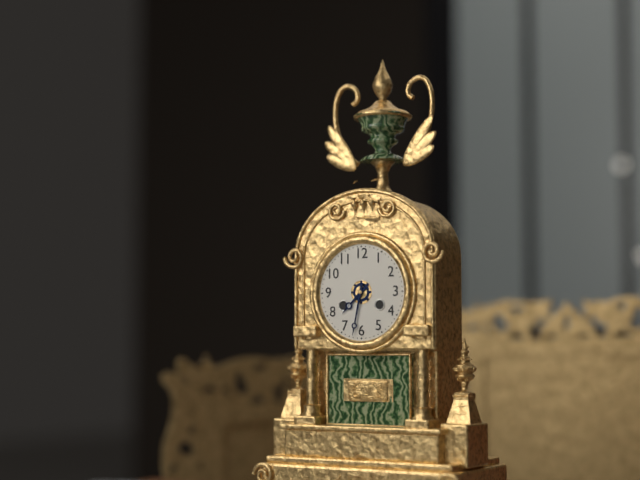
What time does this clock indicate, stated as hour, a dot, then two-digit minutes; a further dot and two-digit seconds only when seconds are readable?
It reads 7.32
